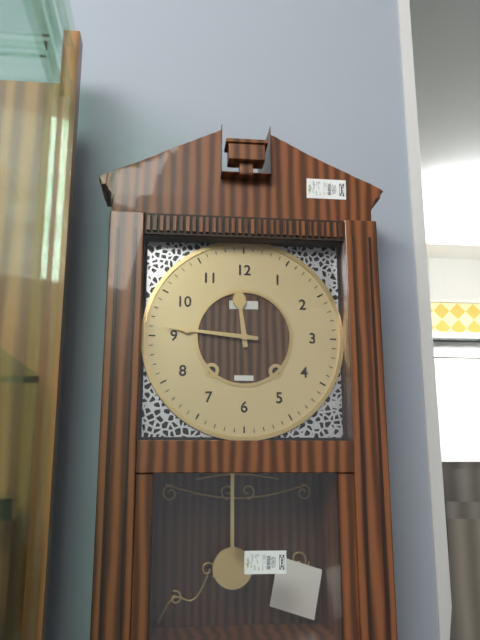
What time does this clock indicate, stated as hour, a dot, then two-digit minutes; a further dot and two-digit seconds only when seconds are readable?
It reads 11.46
